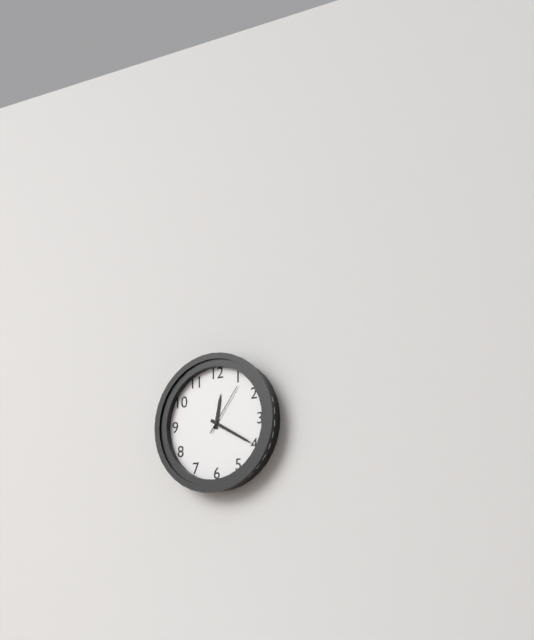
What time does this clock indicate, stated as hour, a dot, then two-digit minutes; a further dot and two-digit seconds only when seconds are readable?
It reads 12.20.06
